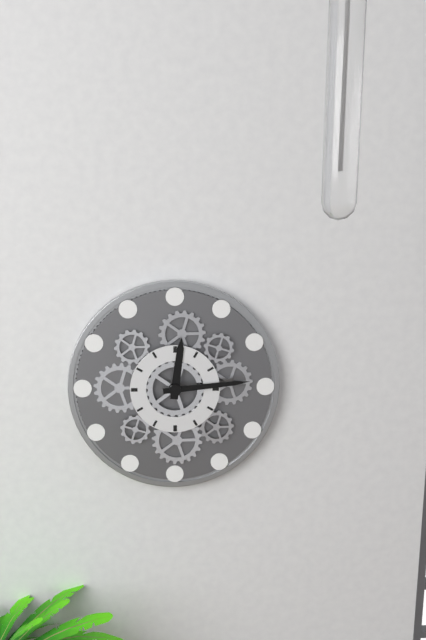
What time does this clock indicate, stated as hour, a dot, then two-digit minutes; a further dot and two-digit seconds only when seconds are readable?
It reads 12.14
